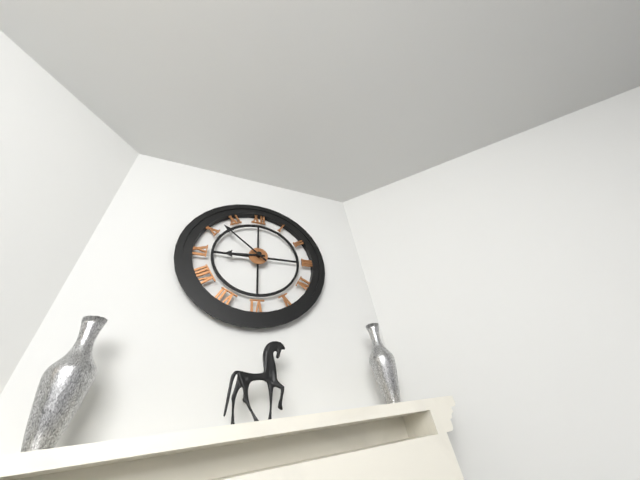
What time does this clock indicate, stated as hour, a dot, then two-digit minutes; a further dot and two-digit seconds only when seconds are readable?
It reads 8.52
